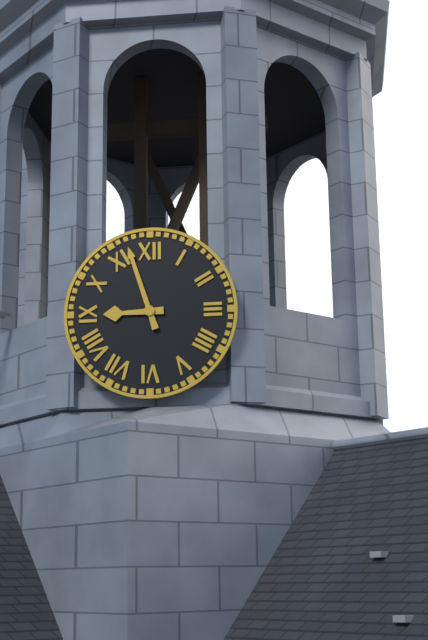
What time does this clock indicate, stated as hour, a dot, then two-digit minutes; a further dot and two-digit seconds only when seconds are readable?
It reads 8.57
